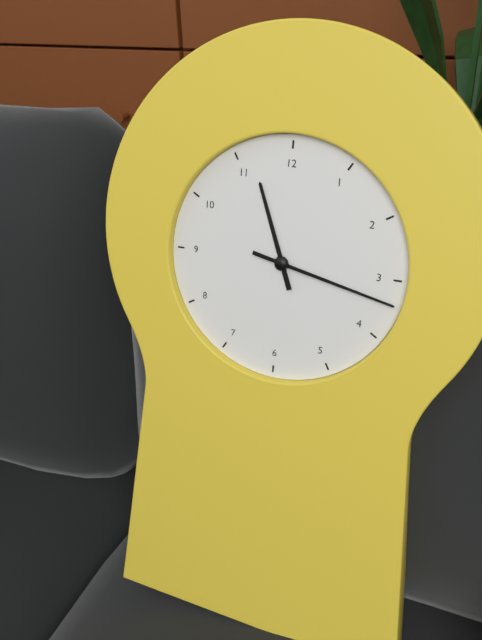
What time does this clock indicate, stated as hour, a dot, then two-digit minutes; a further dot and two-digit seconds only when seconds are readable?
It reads 11.17
